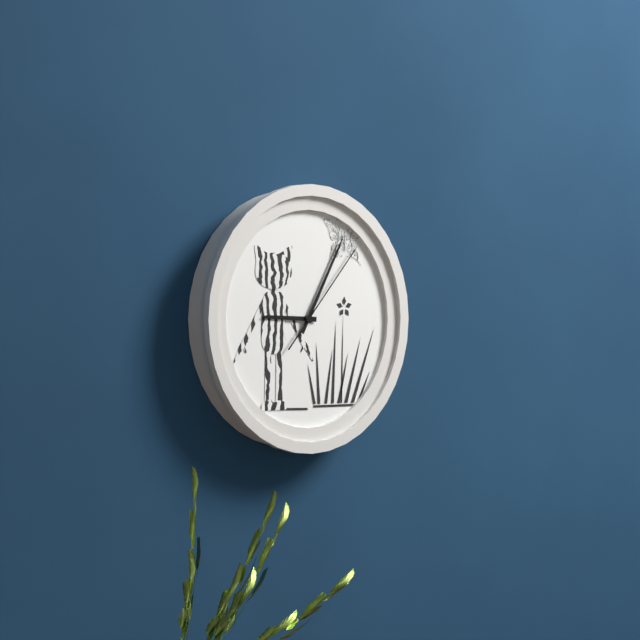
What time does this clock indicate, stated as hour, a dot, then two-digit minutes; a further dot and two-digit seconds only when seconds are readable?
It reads 9.05.07
